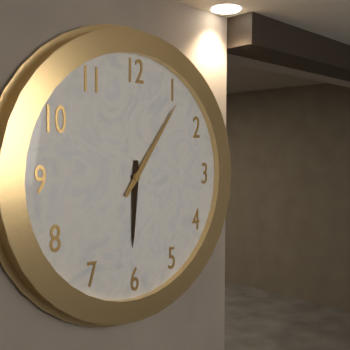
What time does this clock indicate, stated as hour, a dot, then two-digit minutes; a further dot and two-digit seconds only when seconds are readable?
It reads 6.06
